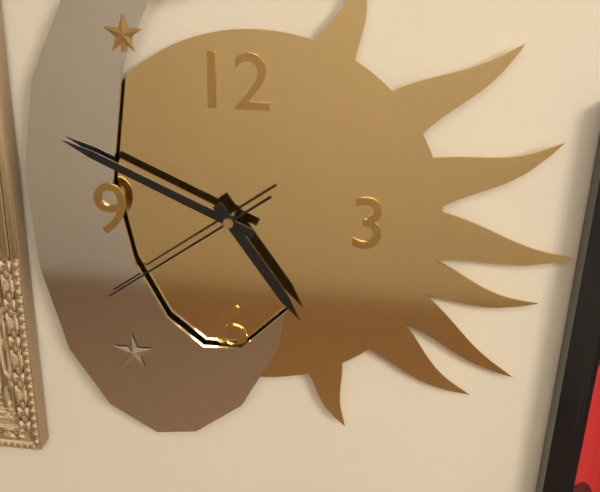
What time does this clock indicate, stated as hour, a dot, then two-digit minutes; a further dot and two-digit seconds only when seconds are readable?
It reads 4.49.39
